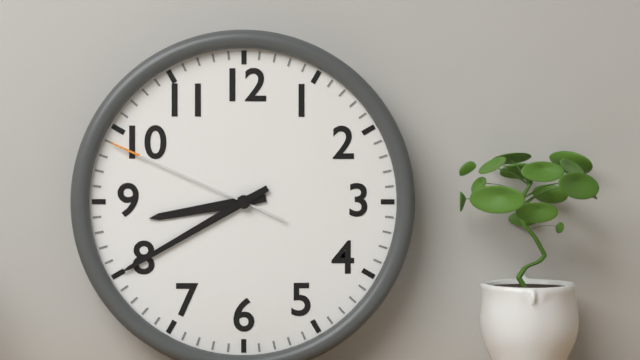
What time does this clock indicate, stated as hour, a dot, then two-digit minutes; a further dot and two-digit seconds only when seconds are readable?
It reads 8.40.49
